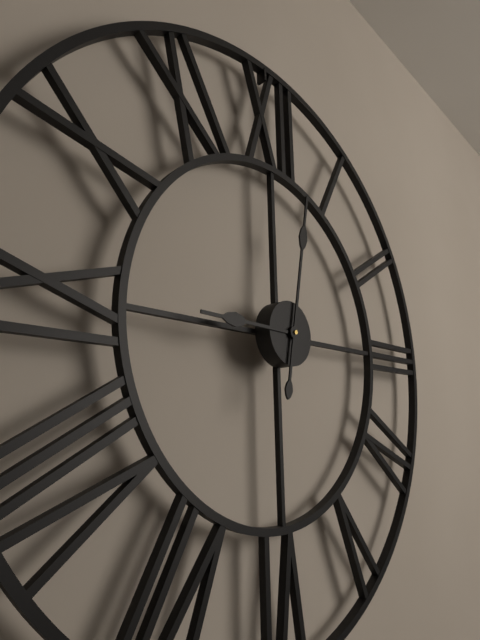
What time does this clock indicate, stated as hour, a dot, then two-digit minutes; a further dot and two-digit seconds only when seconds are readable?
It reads 9.02
